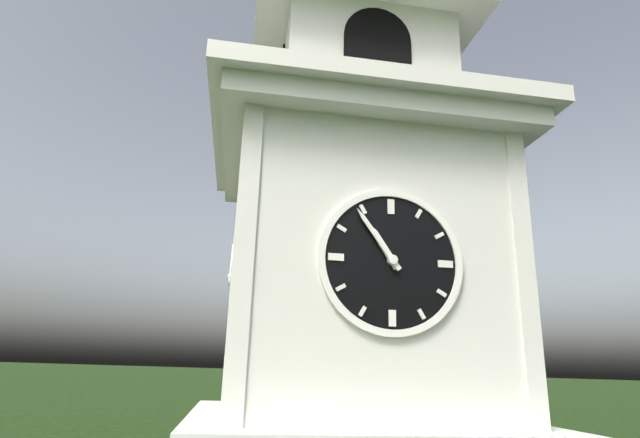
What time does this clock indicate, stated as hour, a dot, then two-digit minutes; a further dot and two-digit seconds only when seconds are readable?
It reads 10.54
